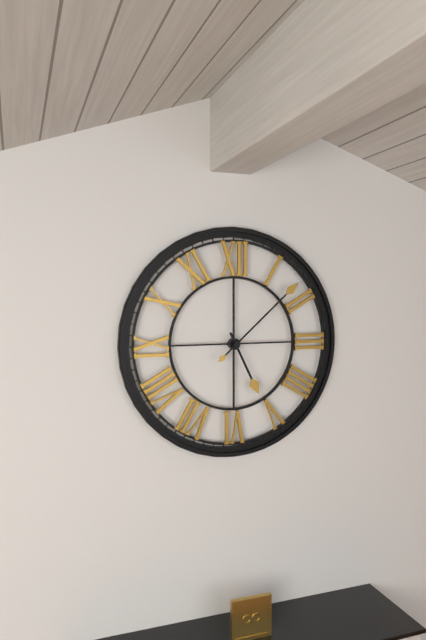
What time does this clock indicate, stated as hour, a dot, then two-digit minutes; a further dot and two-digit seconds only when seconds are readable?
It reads 5.08
